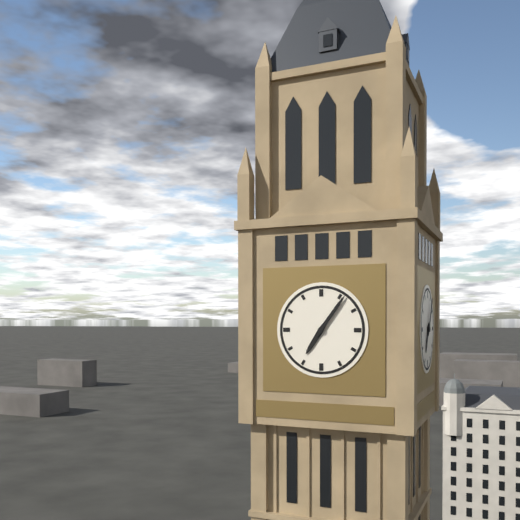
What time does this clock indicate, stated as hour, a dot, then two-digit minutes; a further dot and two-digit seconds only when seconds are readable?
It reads 7.06
